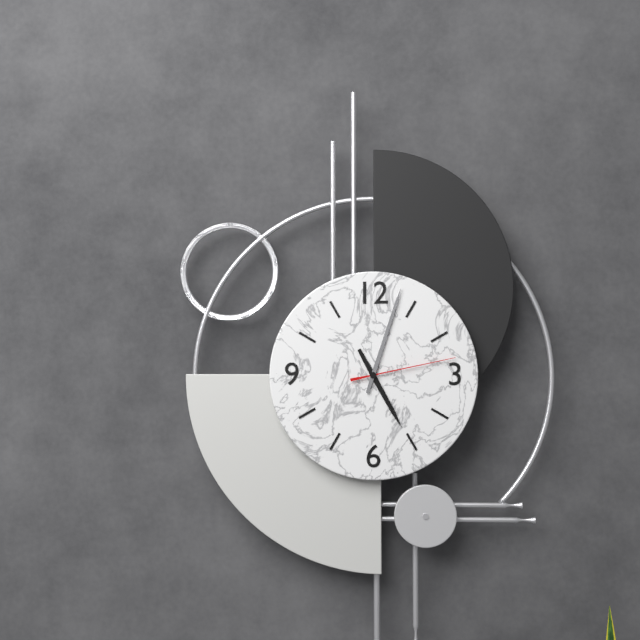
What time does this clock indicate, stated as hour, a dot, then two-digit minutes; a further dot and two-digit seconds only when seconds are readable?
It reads 5.03.13
